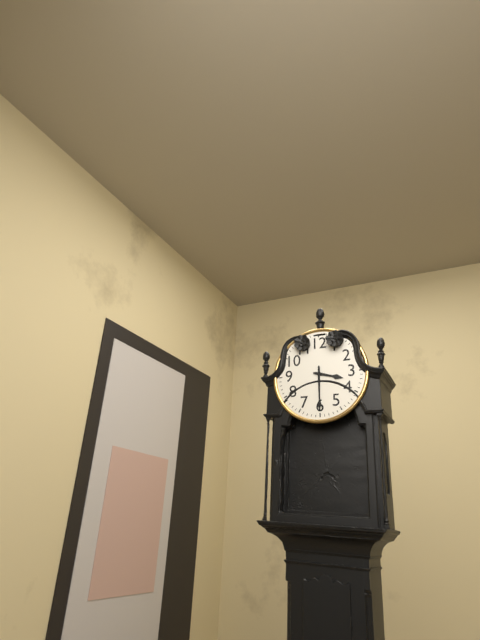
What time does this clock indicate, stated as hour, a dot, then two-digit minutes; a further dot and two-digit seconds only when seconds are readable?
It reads 3.30
